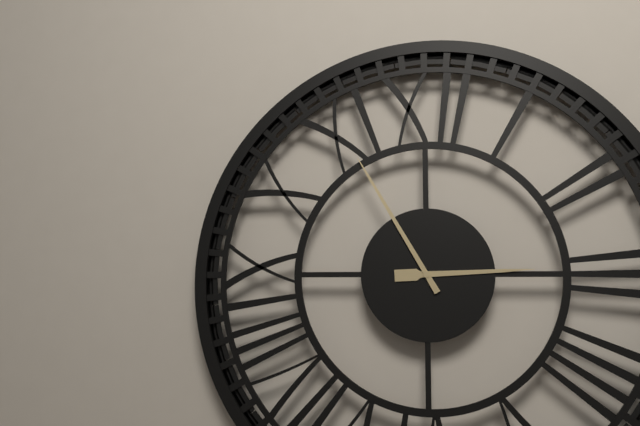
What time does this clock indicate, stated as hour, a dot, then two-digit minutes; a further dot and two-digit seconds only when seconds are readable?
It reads 2.55
